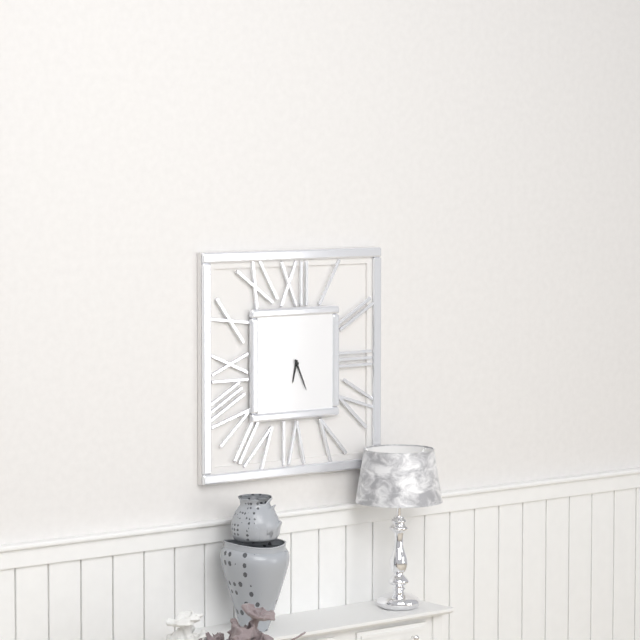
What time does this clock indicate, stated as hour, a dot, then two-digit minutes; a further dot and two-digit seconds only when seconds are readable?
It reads 6.26
